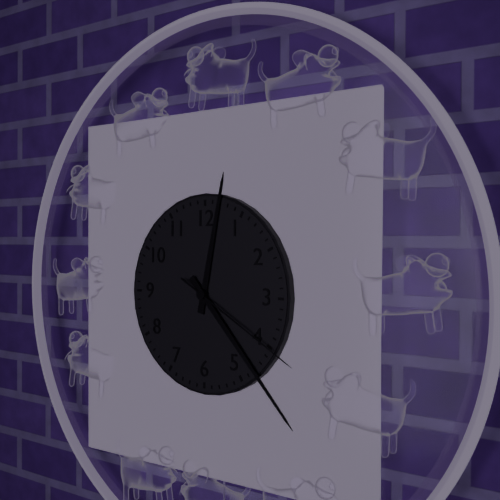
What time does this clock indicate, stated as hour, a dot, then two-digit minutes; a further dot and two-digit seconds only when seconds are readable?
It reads 12.23.20
